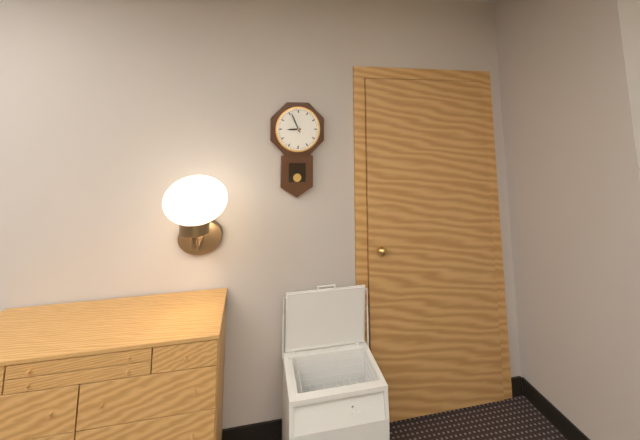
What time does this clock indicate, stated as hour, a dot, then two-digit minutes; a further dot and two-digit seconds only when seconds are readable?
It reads 8.56
